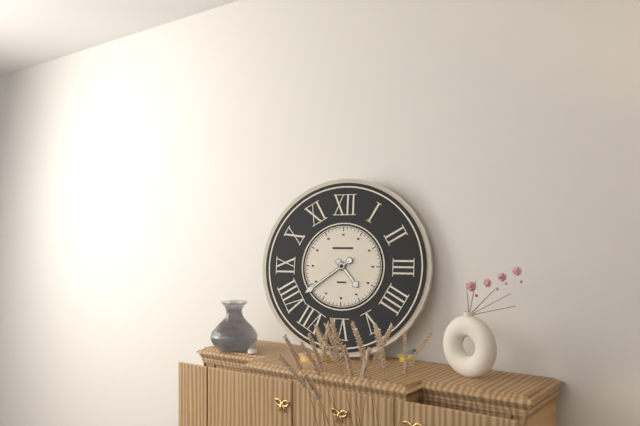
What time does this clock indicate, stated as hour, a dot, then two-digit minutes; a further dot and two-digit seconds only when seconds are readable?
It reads 4.39
